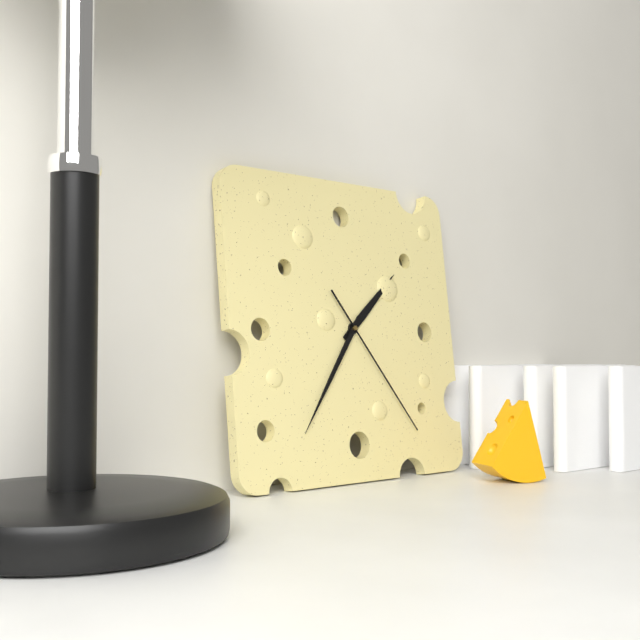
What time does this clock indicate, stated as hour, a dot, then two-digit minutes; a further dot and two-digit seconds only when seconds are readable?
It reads 1.36.24
